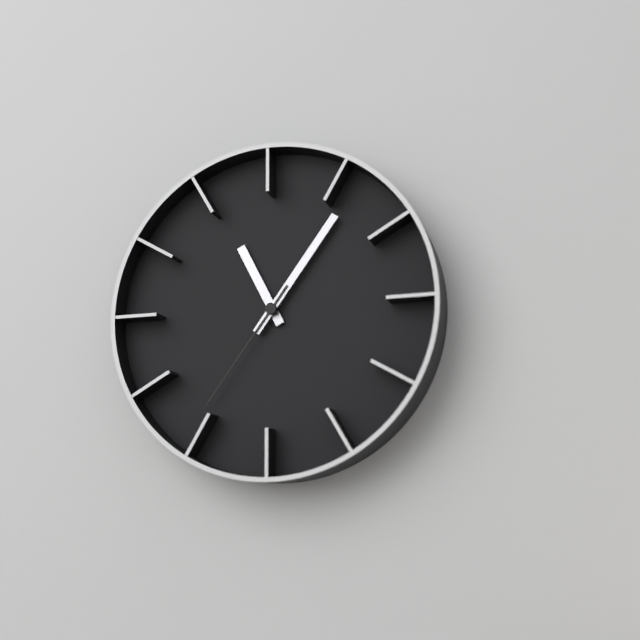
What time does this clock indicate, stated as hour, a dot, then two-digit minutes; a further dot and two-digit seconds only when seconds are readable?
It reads 11.06.36
